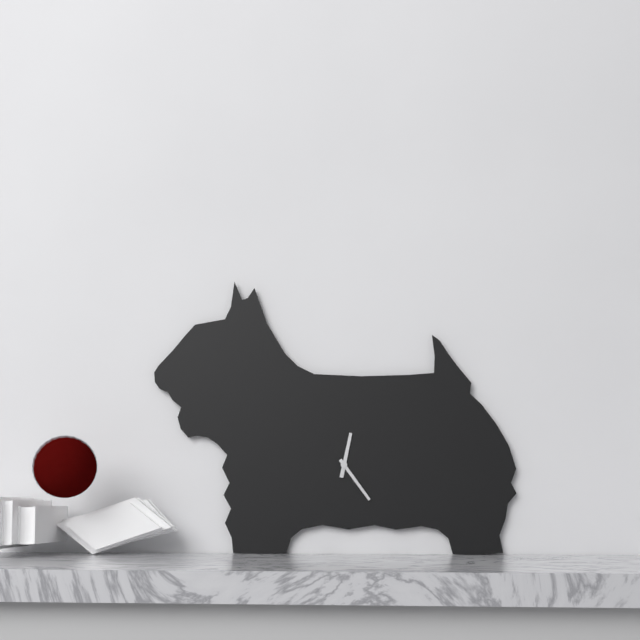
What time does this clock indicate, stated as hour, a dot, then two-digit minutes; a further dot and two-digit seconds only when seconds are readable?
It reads 12.24
